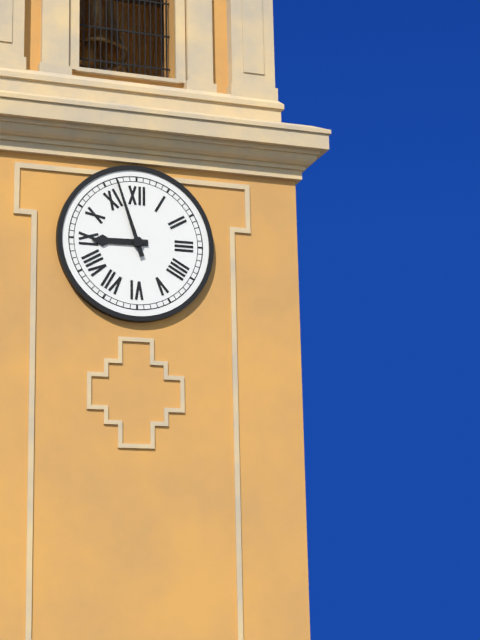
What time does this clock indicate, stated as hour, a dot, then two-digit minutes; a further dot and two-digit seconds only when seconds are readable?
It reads 8.57
